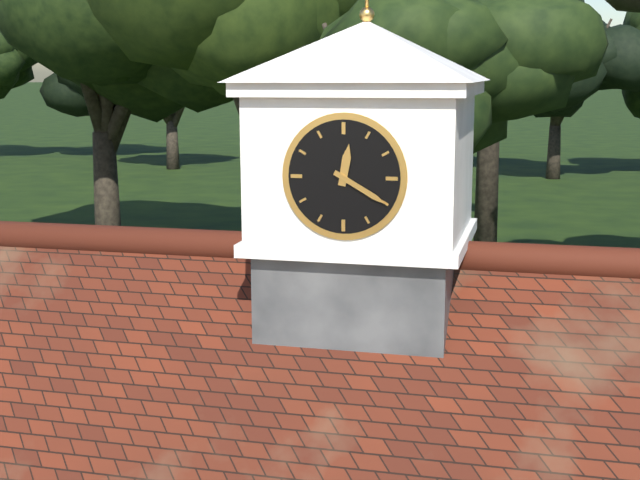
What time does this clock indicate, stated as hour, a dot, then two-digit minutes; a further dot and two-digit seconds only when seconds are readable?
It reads 12.20
